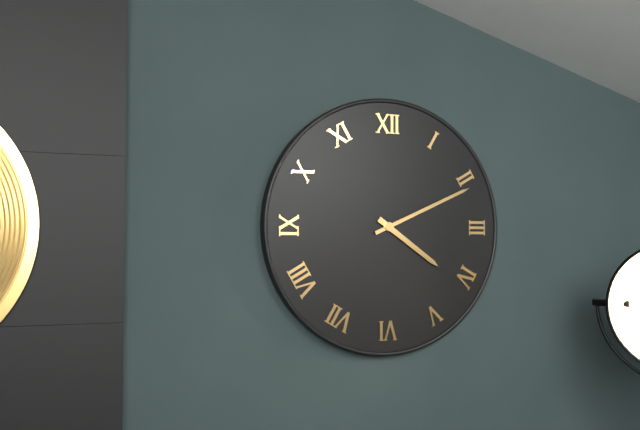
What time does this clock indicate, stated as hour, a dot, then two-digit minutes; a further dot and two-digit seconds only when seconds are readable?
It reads 4.11
